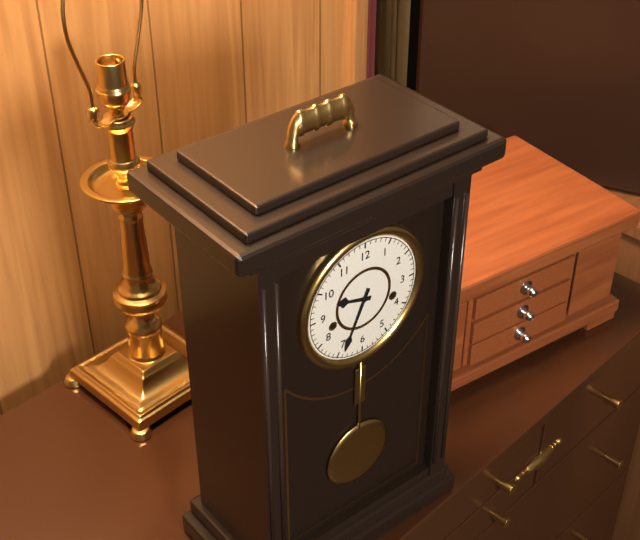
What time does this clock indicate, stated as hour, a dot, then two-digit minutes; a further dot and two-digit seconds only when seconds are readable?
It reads 9.34
